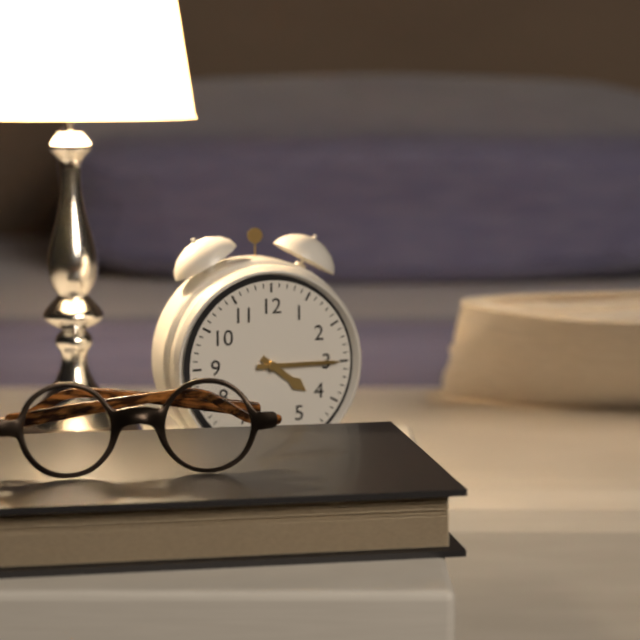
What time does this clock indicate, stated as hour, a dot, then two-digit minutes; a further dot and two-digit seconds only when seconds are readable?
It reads 4.15
